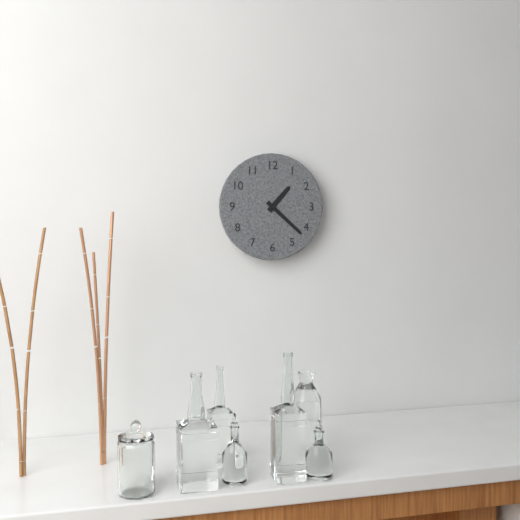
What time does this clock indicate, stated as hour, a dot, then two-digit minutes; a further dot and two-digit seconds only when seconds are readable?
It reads 1.22
